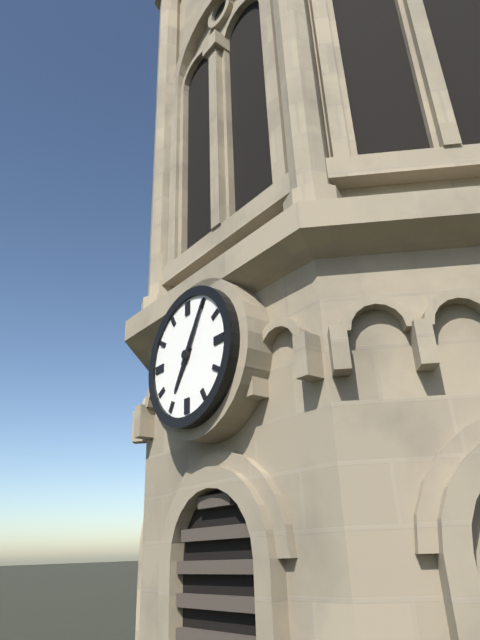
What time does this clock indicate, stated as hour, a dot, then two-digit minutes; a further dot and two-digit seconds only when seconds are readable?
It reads 7.05
